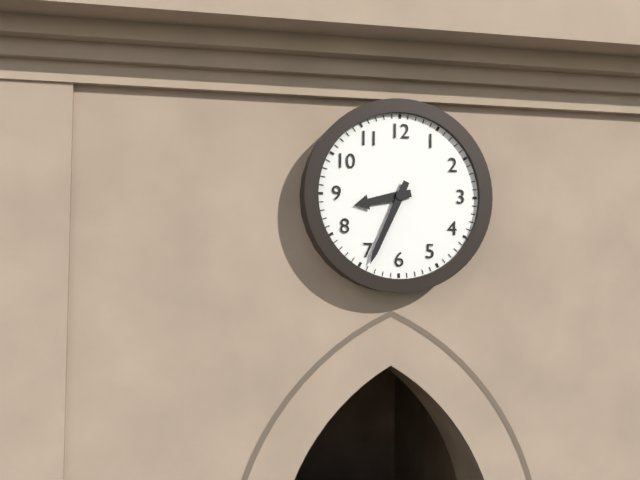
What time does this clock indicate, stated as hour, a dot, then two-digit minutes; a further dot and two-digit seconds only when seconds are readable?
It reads 8.34
